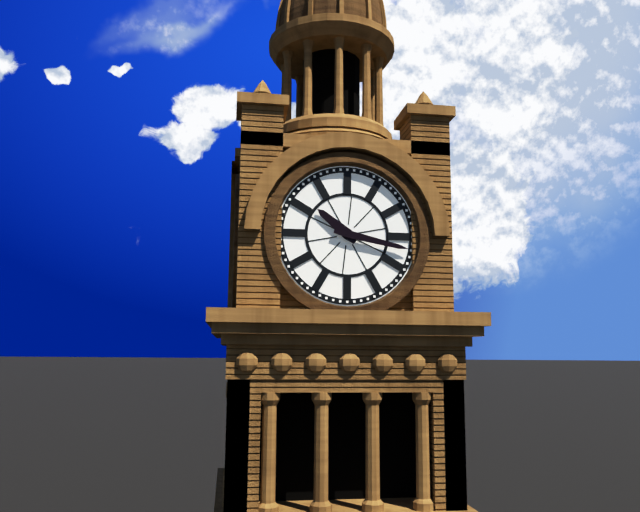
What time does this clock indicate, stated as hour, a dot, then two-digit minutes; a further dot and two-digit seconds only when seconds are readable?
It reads 10.17
